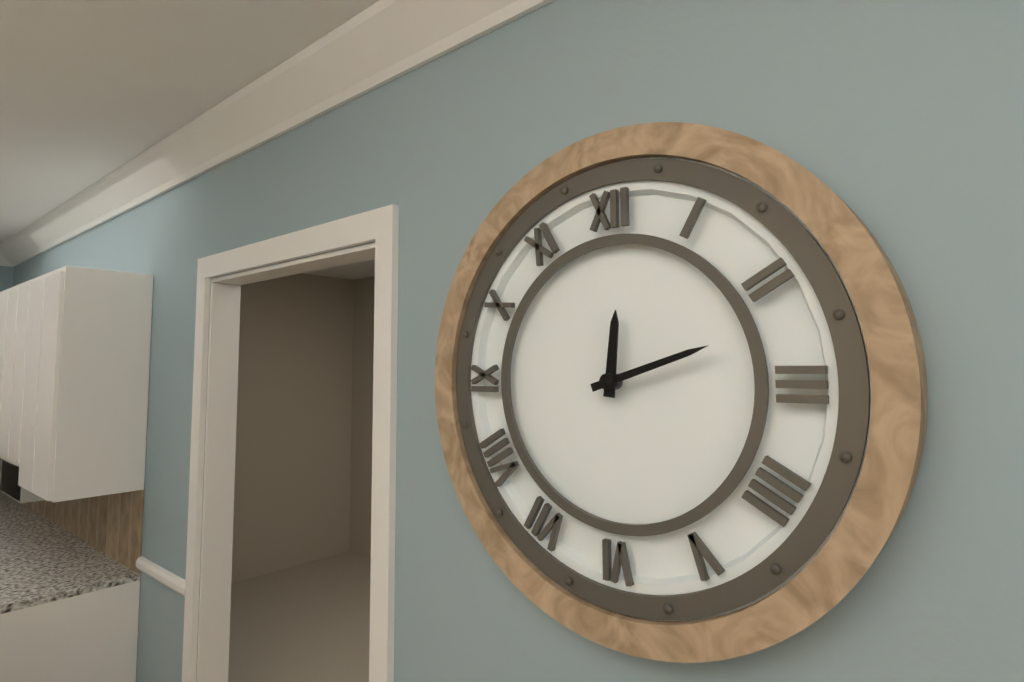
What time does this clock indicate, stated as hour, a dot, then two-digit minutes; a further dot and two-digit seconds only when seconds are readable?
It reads 12.12
